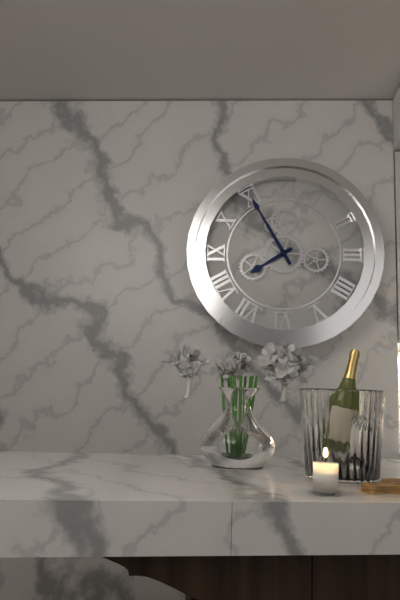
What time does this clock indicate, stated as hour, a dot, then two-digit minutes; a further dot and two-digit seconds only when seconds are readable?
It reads 7.55
